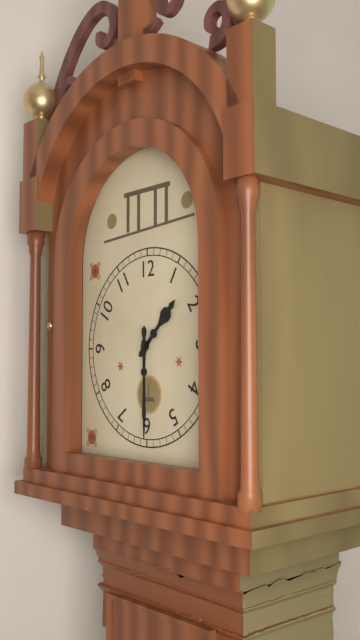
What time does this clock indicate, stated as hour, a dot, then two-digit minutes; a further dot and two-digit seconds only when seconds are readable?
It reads 1.30
